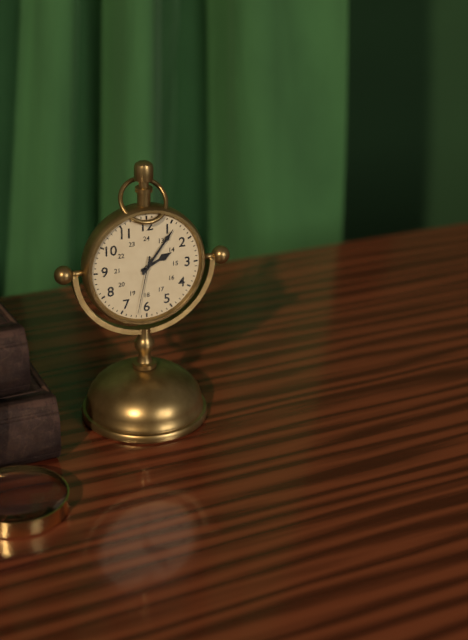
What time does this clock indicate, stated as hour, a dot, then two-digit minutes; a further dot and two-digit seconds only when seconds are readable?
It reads 2.06.32
